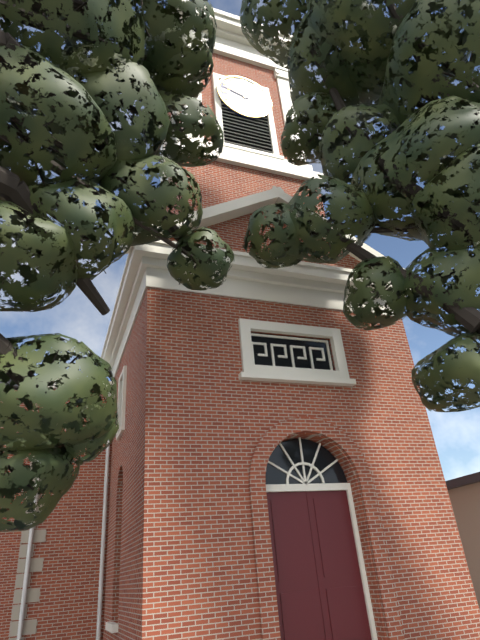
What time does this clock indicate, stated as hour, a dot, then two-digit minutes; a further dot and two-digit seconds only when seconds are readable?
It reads 12.48
